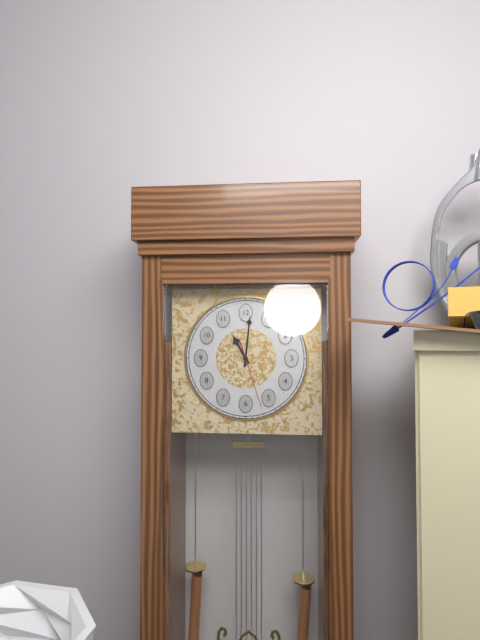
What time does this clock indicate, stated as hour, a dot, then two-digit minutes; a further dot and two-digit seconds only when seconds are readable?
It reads 11.01.27
